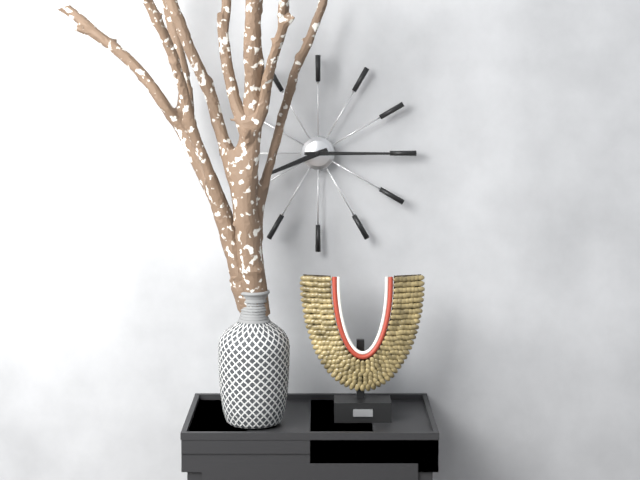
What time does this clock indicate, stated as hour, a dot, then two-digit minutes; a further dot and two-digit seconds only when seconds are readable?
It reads 8.15
